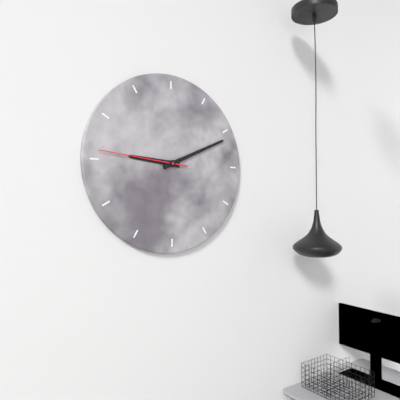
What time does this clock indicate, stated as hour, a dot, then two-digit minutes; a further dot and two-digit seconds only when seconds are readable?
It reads 9.11.46
